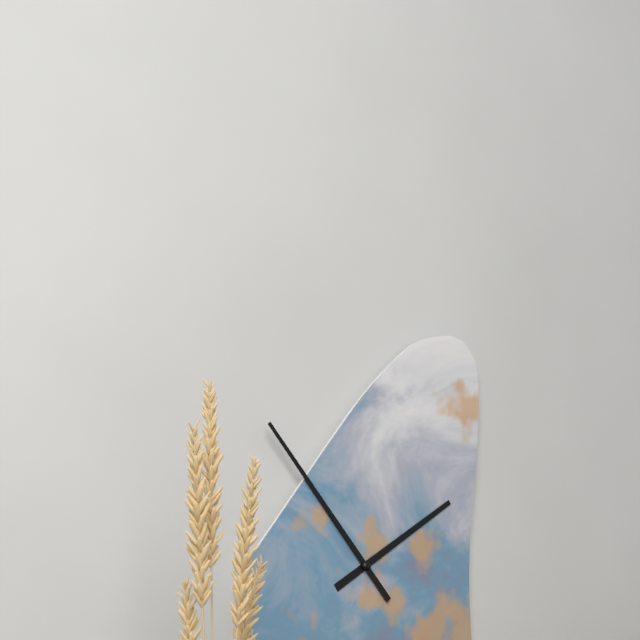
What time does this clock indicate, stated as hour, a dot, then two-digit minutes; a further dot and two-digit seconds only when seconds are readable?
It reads 1.53
